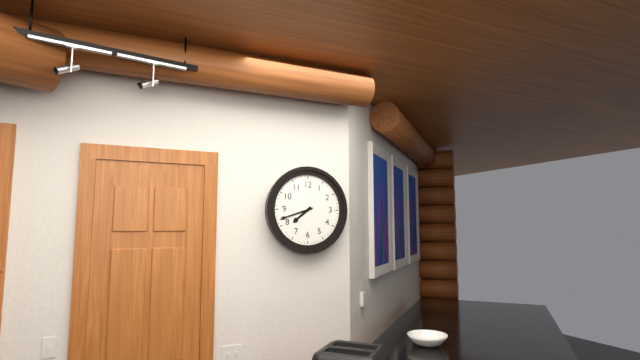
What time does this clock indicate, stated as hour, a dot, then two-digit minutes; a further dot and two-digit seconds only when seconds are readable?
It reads 7.42
